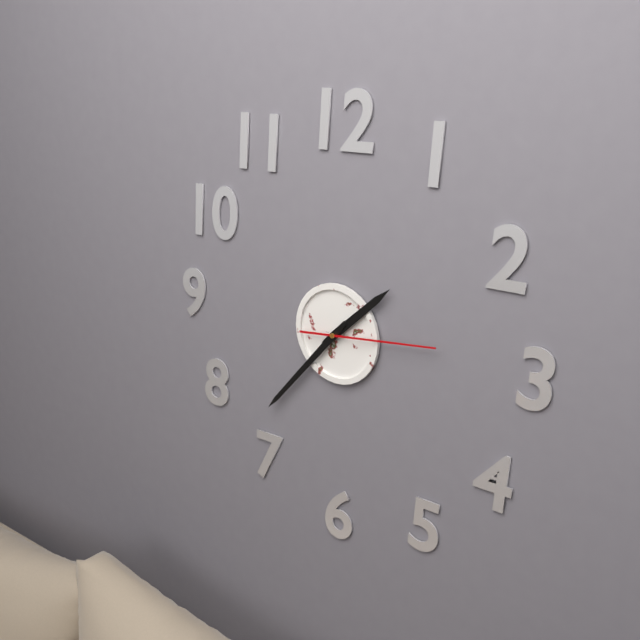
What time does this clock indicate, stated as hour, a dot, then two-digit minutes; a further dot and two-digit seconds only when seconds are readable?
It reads 1.37.14
